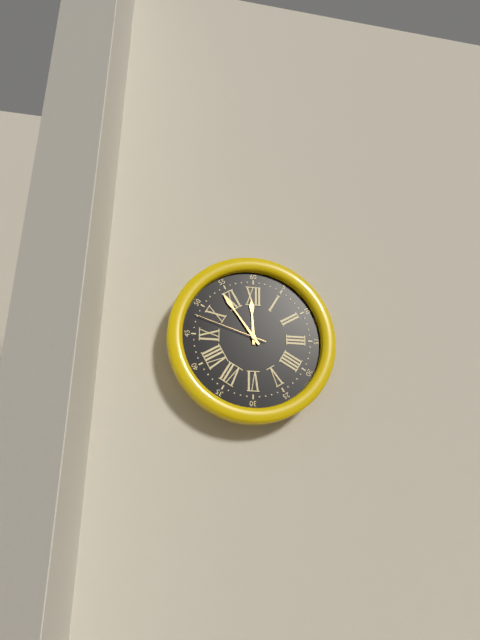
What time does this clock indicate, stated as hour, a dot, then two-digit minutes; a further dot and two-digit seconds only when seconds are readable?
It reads 11.54.48
